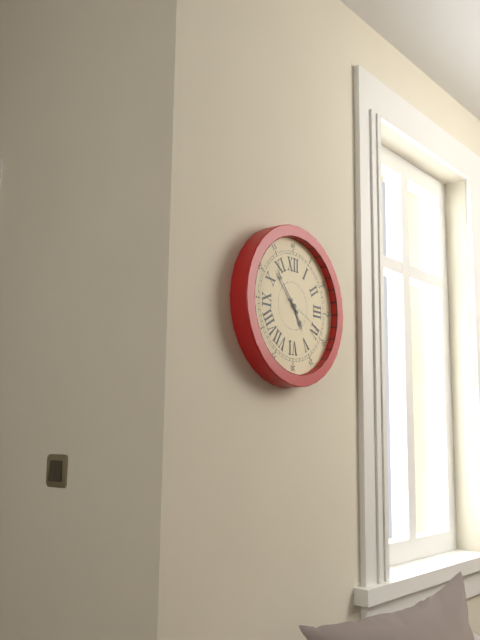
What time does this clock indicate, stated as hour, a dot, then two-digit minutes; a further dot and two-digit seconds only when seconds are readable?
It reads 4.53
